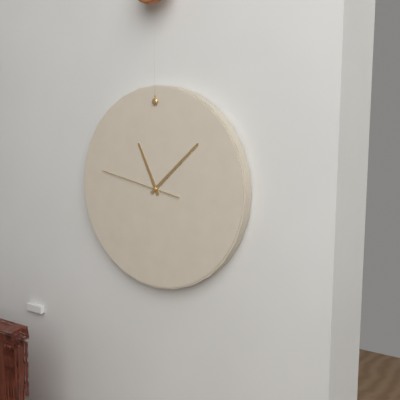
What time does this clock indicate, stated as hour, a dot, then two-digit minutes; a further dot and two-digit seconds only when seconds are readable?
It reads 11.08.47
